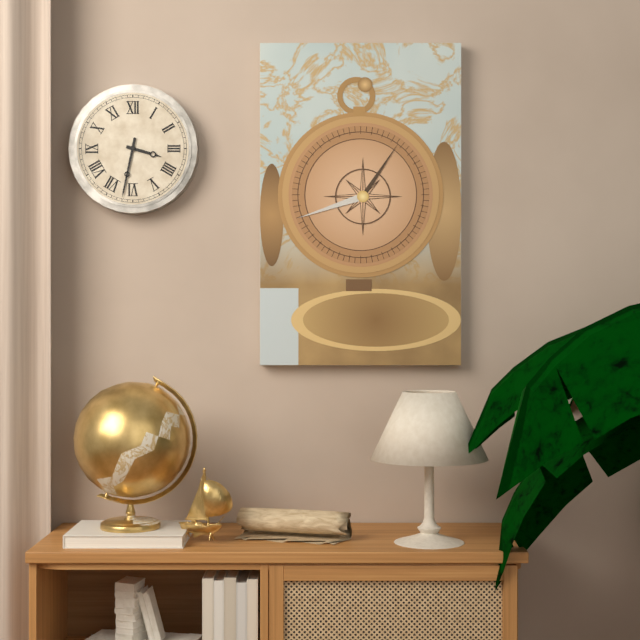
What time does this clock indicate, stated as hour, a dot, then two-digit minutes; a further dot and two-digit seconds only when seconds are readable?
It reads 3.32
